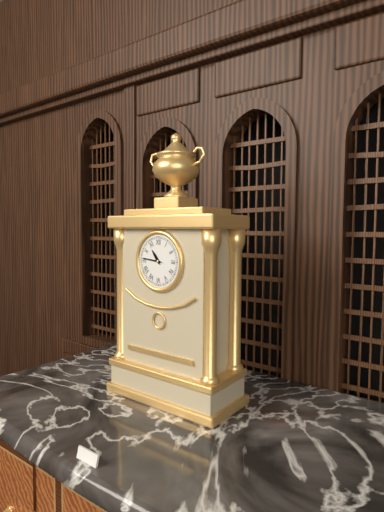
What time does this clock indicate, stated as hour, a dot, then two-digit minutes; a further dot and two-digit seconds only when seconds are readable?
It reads 10.46
